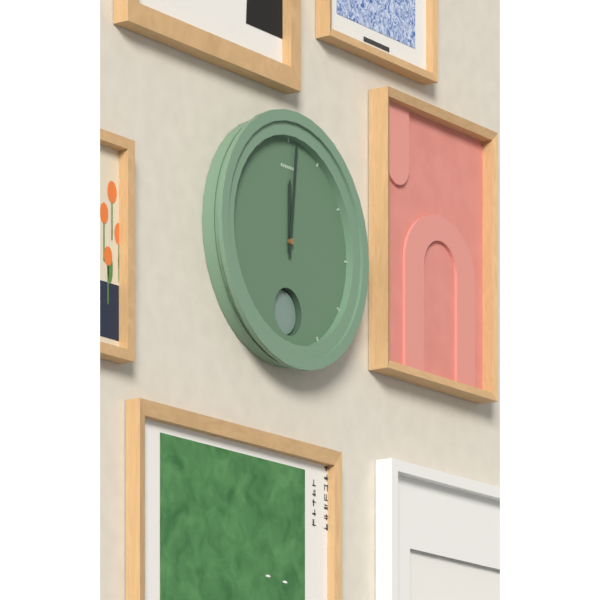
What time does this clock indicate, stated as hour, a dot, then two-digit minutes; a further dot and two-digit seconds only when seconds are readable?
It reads 12.01
